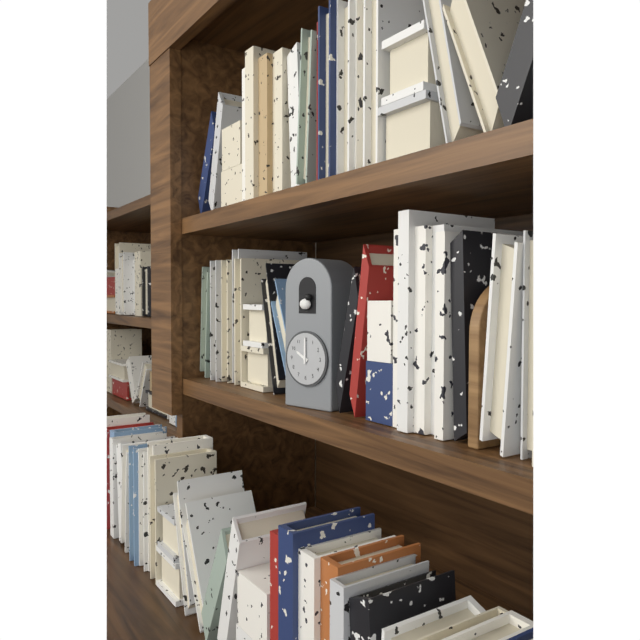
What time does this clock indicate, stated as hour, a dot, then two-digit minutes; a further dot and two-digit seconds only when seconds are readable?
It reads 10.00
